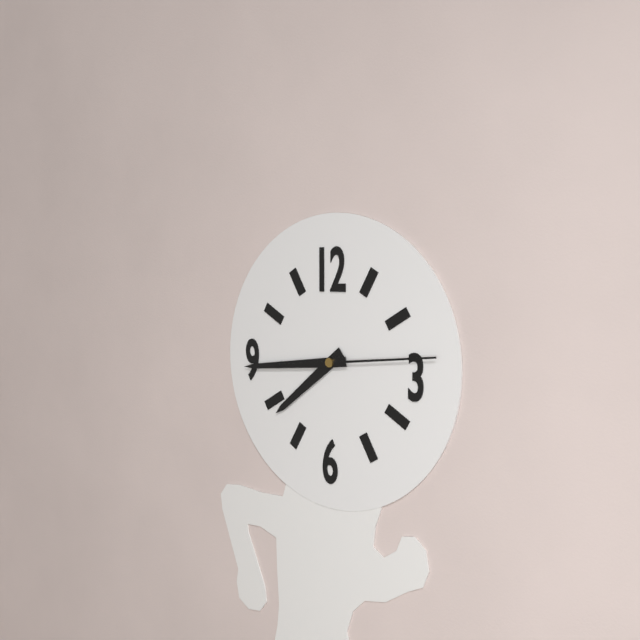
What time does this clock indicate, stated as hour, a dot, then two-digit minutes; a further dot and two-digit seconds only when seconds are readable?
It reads 7.44.14
